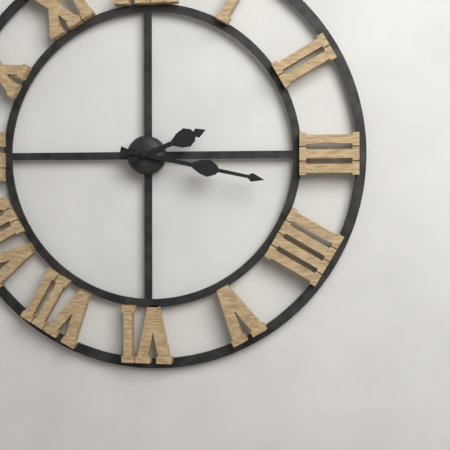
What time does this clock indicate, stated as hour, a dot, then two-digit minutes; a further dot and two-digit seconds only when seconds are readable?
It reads 2.17
